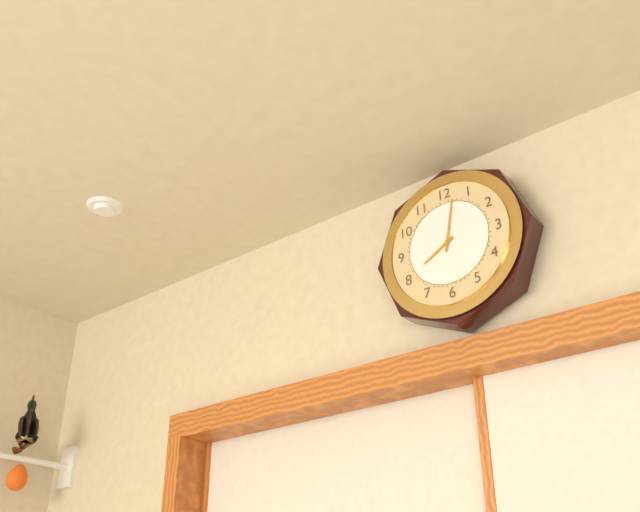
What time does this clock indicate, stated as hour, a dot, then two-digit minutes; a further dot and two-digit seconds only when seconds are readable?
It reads 8.02
